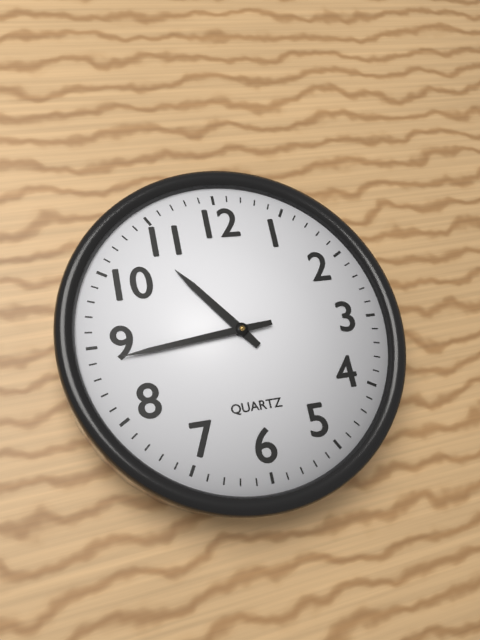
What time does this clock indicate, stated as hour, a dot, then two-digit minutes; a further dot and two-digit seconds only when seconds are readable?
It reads 10.44
